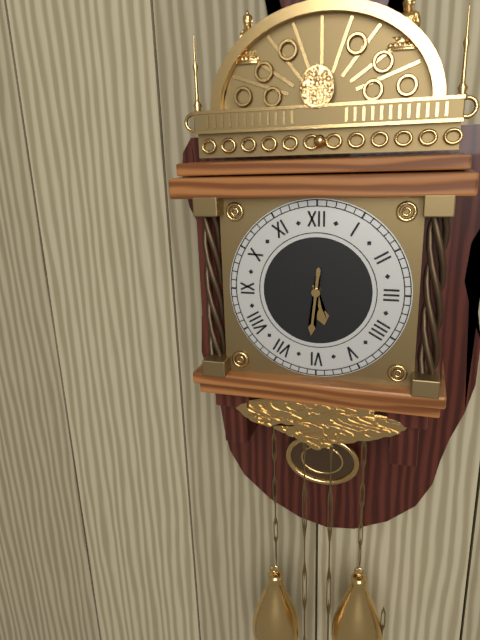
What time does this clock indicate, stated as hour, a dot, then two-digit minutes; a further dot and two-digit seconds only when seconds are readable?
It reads 5.31
